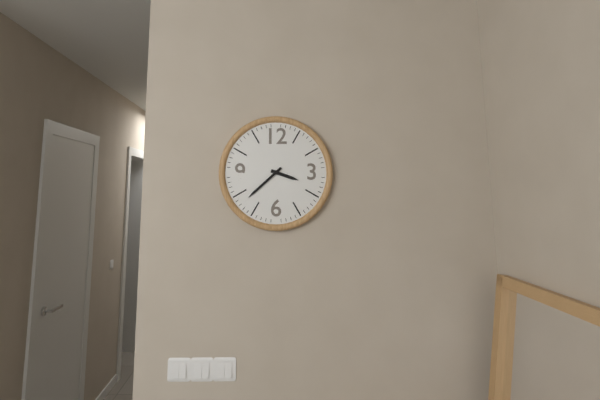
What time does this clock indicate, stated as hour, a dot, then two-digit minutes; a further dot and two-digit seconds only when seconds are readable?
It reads 3.38
